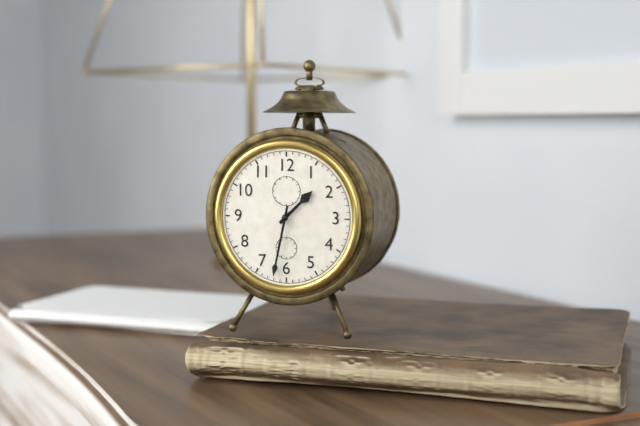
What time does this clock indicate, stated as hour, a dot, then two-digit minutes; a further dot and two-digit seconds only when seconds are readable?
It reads 1.32
